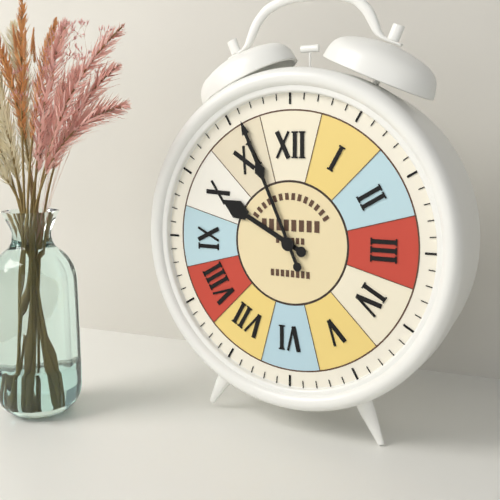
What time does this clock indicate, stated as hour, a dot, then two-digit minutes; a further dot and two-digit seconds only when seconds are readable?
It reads 9.56
